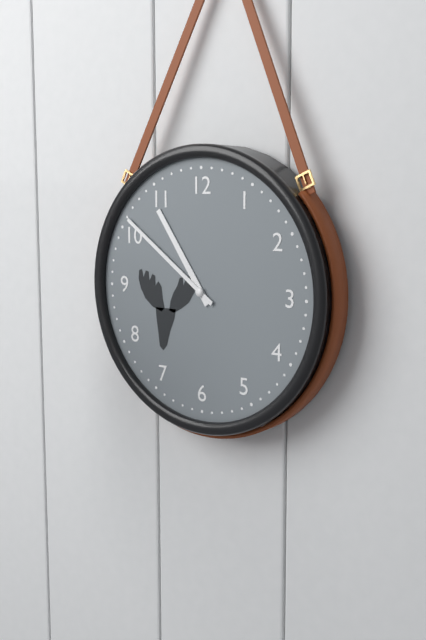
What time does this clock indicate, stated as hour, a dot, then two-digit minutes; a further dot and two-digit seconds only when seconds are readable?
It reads 10.51
